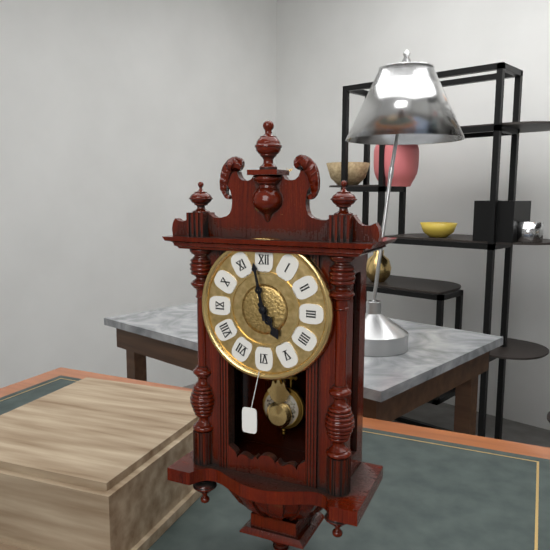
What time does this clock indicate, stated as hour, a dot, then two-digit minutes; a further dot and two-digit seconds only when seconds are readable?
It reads 4.58
